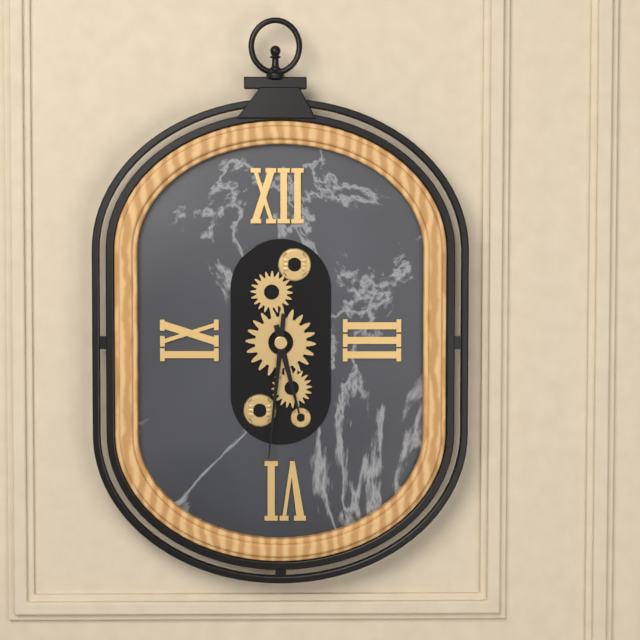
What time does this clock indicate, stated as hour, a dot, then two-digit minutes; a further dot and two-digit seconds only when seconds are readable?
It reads 5.31
